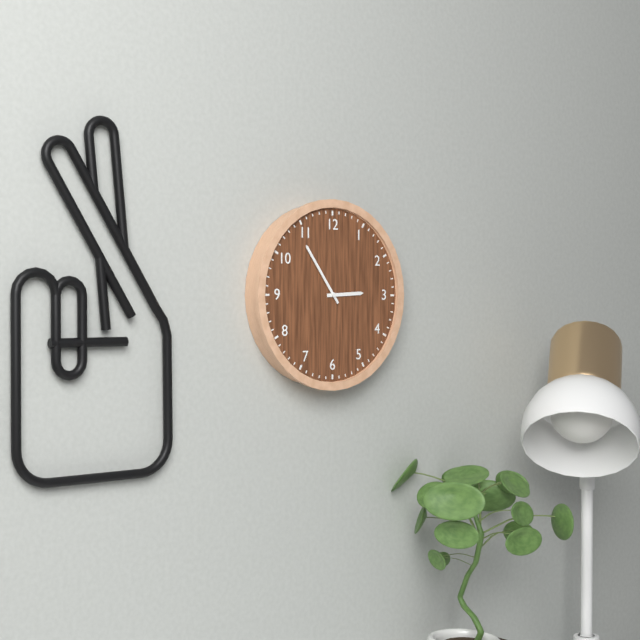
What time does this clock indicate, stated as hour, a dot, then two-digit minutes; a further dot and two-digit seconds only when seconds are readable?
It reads 2.54
